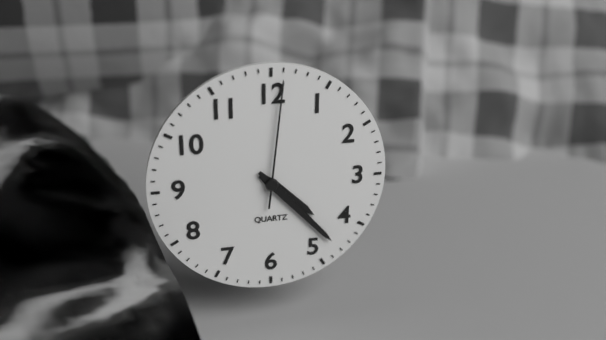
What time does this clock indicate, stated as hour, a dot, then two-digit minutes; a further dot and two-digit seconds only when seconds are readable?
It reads 4.23.01
